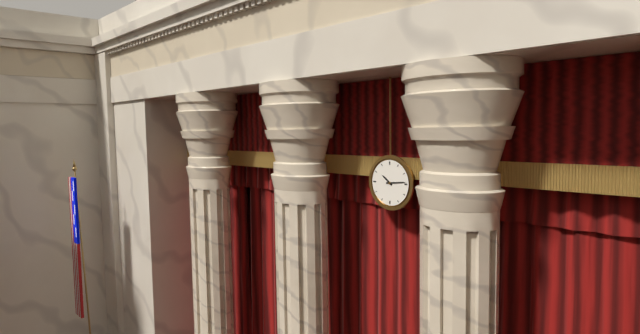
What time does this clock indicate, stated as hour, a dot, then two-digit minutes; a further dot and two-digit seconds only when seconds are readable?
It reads 10.14
